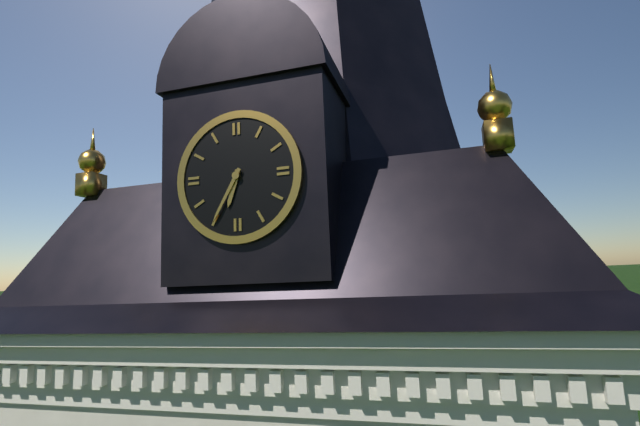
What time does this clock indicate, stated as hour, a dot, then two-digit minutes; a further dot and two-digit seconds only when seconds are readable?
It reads 6.35
